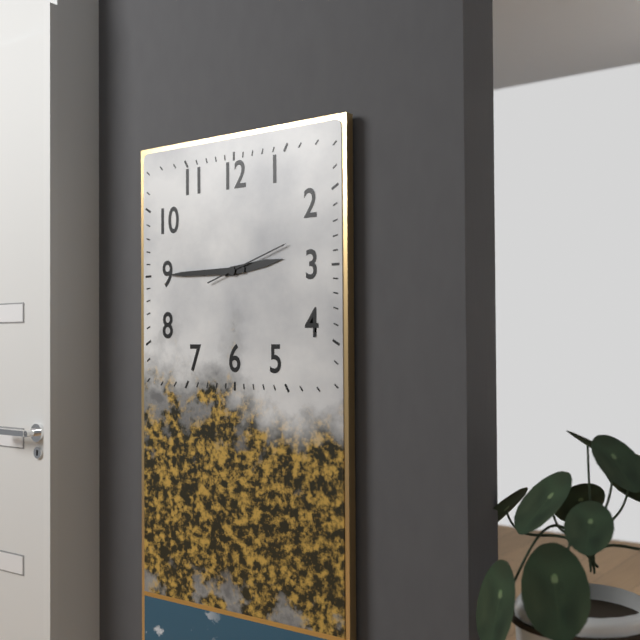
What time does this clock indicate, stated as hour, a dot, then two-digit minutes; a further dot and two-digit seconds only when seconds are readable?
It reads 2.45.12
